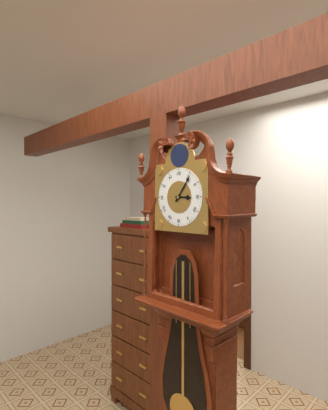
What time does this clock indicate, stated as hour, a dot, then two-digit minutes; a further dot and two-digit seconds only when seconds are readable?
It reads 3.06
